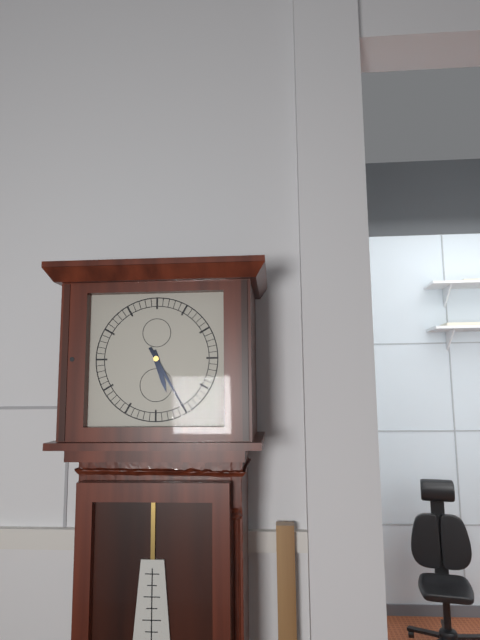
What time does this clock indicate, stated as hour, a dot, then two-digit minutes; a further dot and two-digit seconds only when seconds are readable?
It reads 5.25
